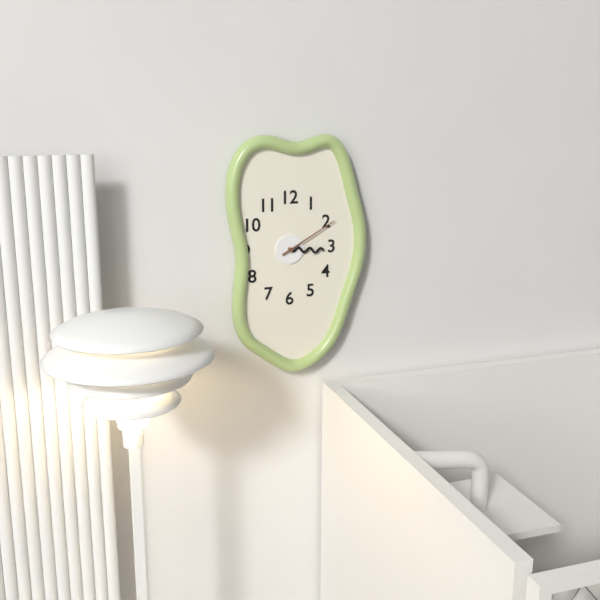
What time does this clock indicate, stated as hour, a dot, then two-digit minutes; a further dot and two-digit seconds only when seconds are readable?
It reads 3.10
